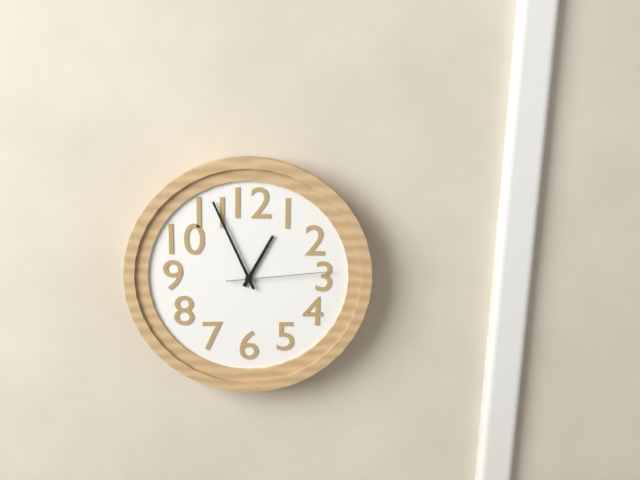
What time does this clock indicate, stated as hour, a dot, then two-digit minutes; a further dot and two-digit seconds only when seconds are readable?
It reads 12.56.14
